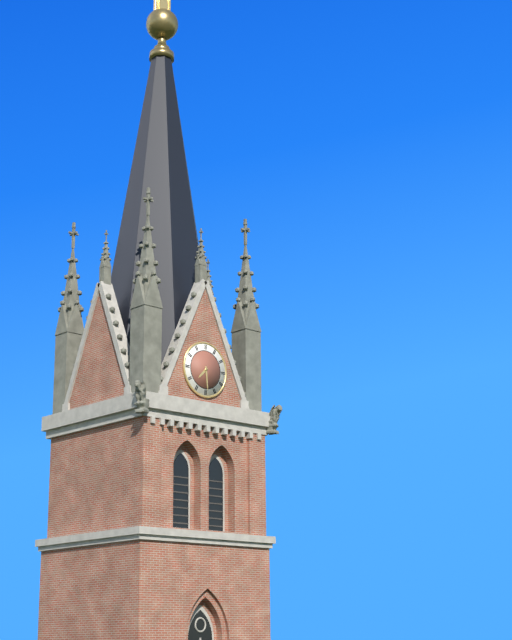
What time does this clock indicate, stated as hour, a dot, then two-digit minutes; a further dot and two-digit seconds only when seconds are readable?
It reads 7.29
